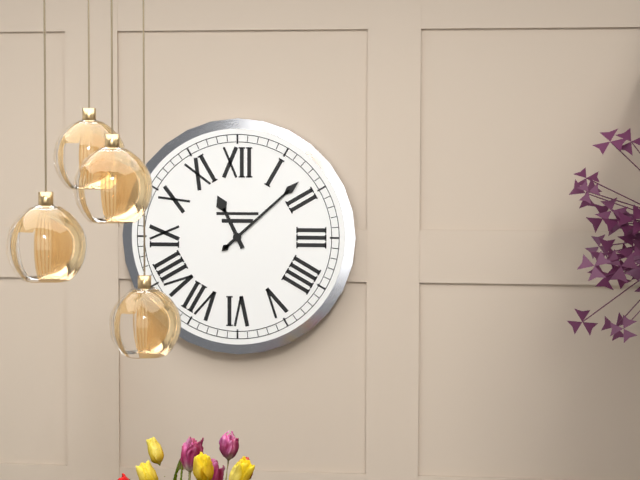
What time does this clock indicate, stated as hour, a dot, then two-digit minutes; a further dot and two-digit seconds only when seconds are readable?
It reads 11.08
